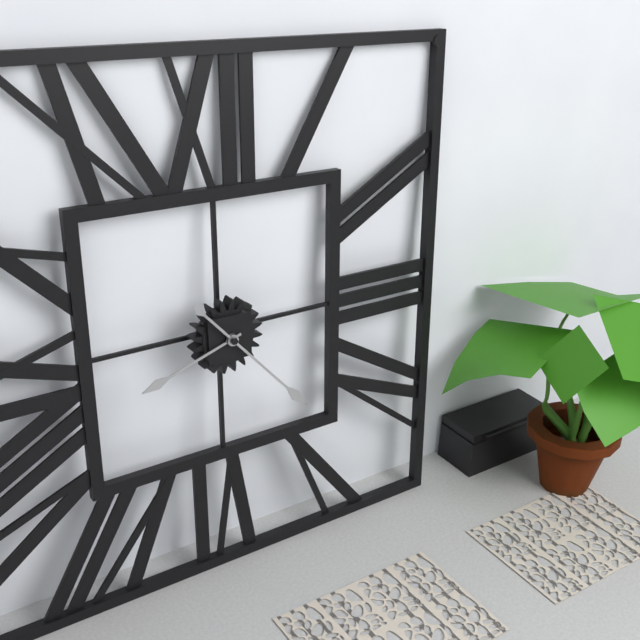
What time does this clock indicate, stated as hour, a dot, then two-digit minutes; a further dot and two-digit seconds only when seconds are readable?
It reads 8.23
